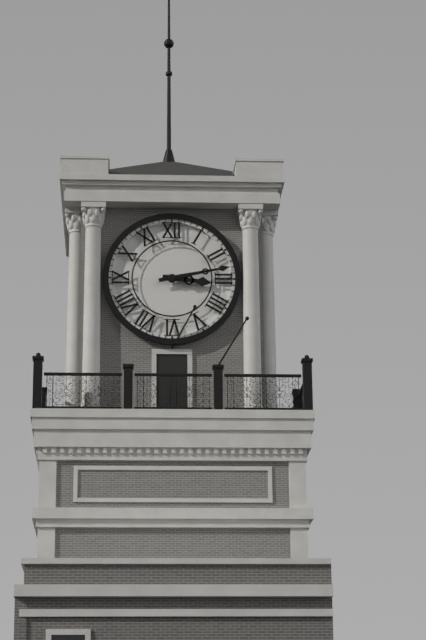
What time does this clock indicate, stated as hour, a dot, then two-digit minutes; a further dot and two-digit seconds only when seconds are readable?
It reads 3.13
